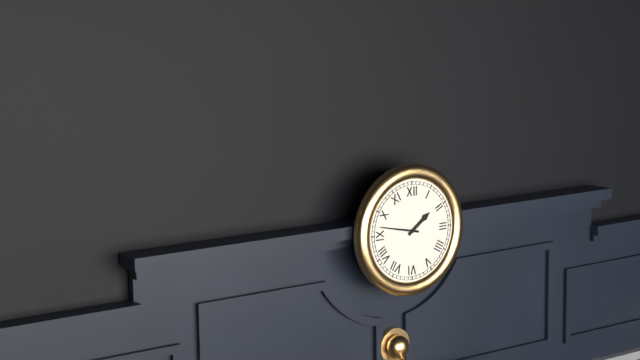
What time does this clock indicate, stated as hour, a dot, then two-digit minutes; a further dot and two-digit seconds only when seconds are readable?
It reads 1.47
